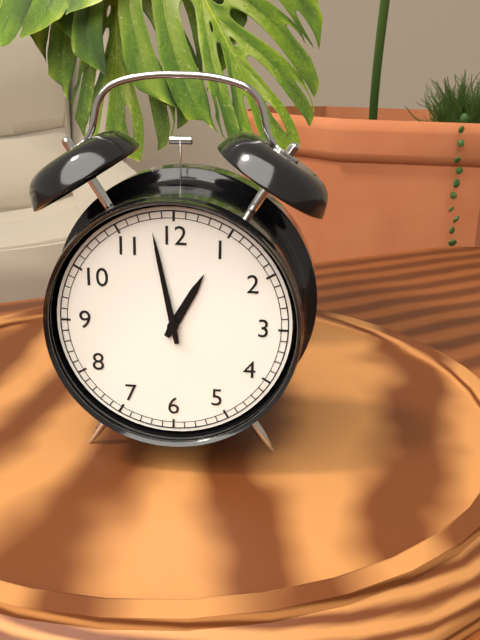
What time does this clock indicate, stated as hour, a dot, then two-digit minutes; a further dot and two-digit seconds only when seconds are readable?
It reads 12.58
